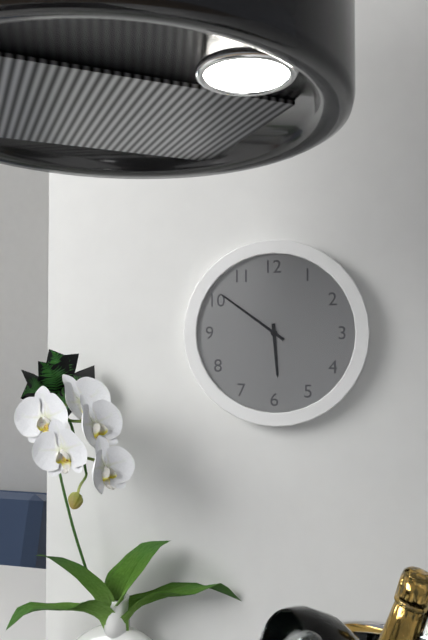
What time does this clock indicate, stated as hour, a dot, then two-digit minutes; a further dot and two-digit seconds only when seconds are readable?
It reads 5.51
